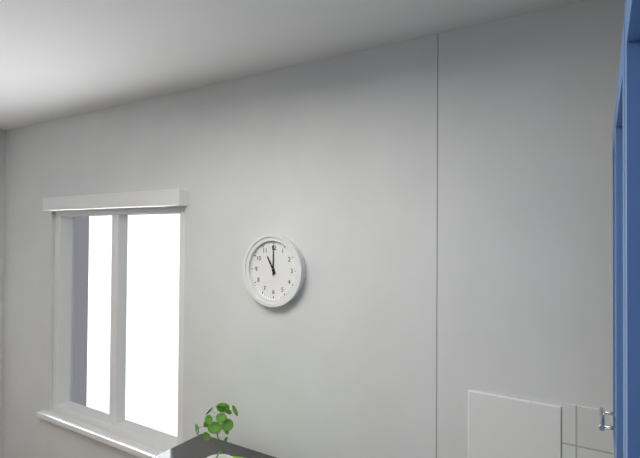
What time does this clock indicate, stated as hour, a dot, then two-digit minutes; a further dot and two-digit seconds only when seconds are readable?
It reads 11.00
